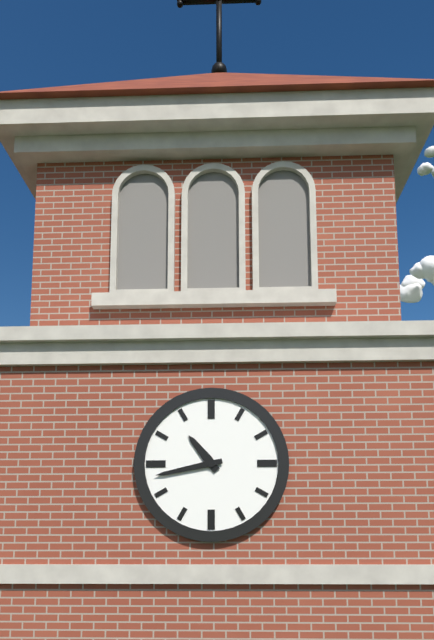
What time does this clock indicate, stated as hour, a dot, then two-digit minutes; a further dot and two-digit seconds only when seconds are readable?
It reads 10.43
